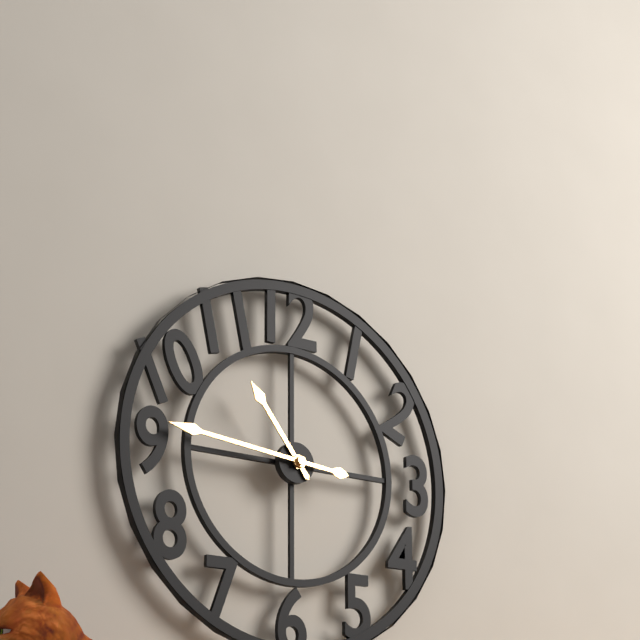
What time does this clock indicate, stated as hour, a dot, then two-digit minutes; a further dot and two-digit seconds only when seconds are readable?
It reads 10.46
